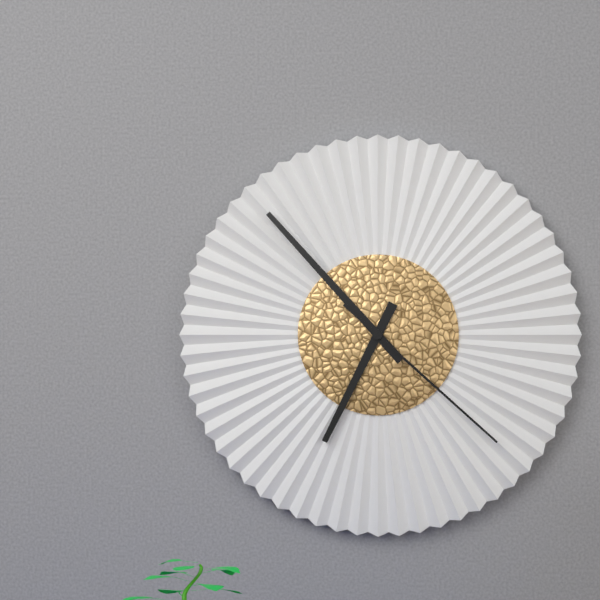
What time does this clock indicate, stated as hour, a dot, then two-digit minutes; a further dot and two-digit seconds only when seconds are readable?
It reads 6.53.22
